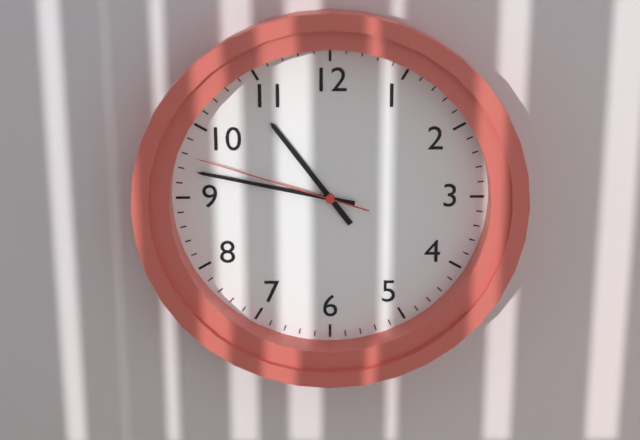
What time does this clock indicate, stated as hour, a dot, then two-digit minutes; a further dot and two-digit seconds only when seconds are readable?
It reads 10.47.48
